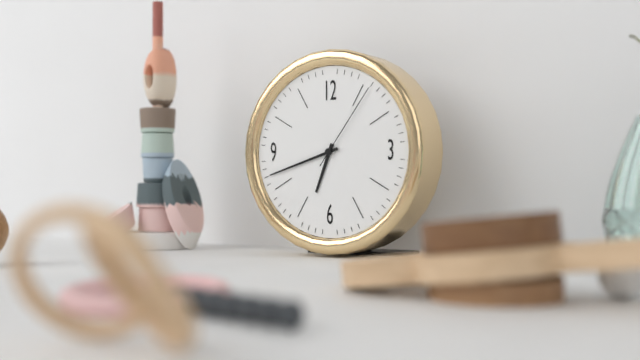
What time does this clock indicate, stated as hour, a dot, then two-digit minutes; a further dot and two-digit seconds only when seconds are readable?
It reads 6.42.06
